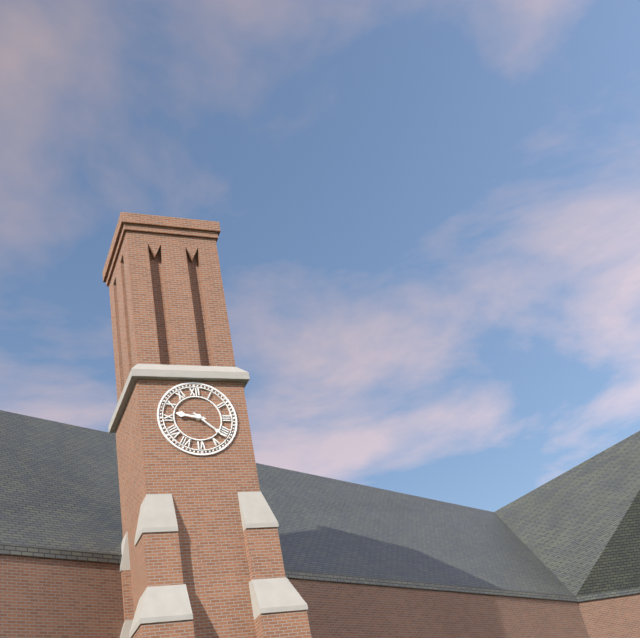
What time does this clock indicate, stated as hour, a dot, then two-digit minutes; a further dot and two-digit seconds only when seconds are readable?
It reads 9.22
